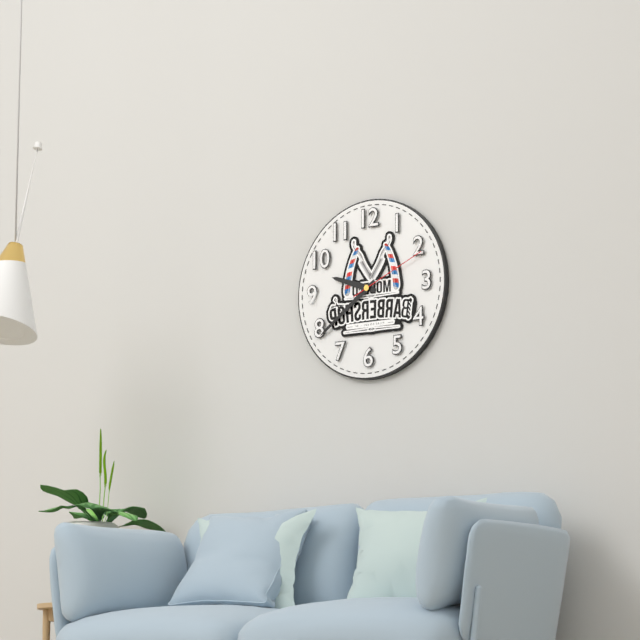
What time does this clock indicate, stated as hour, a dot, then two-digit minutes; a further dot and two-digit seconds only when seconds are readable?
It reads 9.39.11
